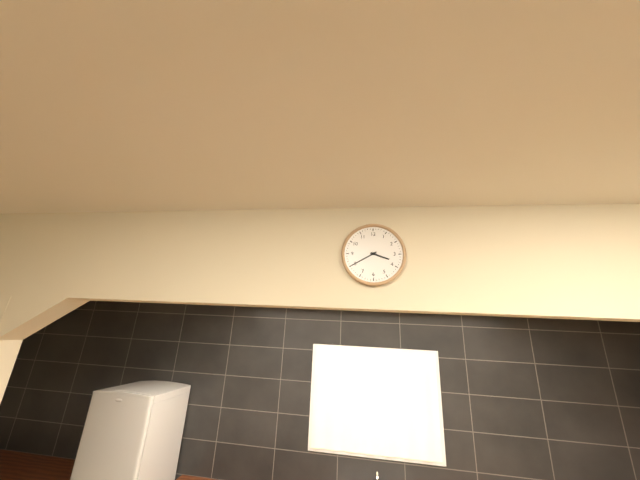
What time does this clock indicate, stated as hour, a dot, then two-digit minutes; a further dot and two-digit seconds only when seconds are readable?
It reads 3.40
